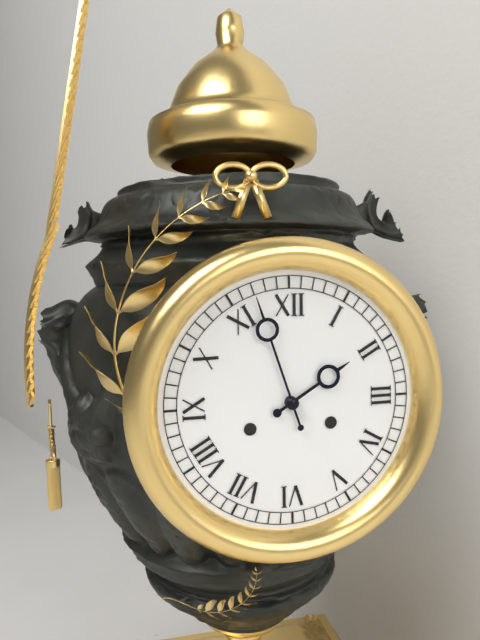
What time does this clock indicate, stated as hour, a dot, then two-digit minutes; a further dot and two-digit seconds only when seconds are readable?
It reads 1.57
